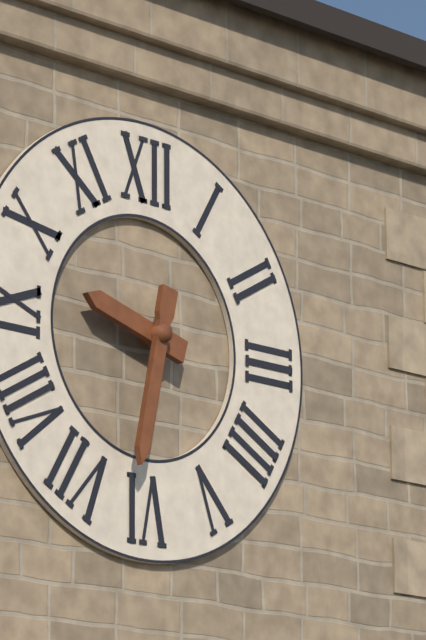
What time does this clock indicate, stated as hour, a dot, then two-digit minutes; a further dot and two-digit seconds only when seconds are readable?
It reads 9.32
